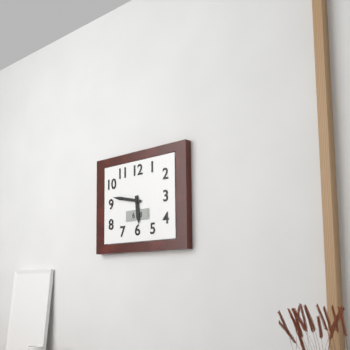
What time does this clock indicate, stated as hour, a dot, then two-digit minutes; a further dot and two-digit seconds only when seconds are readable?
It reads 5.47
